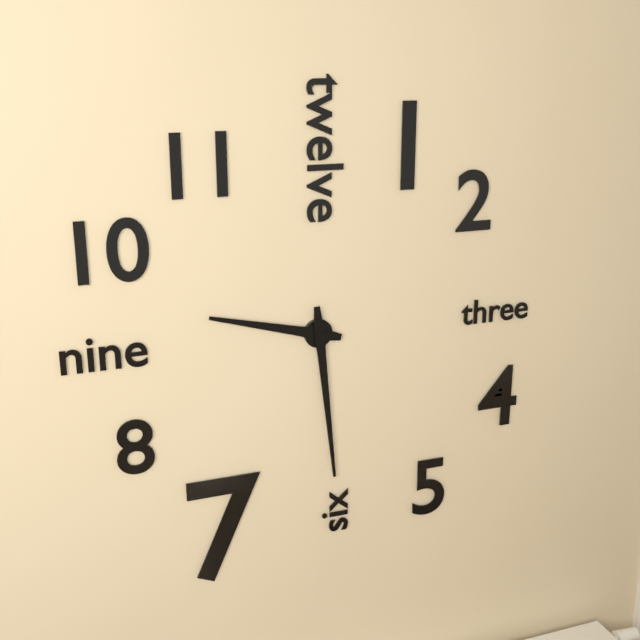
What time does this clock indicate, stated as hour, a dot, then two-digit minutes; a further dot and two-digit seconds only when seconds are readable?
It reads 9.29
